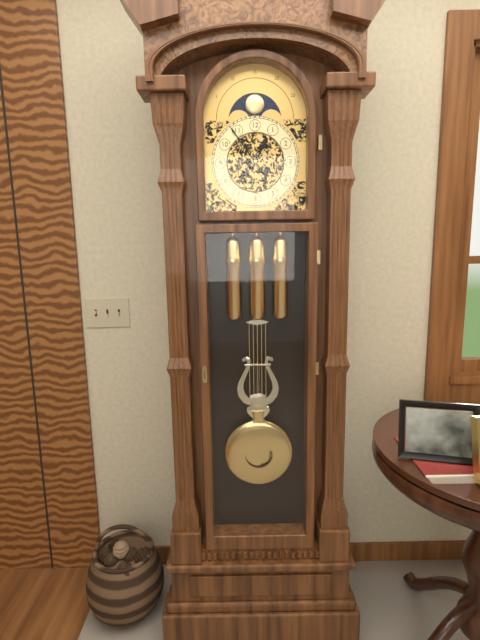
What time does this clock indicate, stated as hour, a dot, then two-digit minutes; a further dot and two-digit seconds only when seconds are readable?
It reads 12.54
